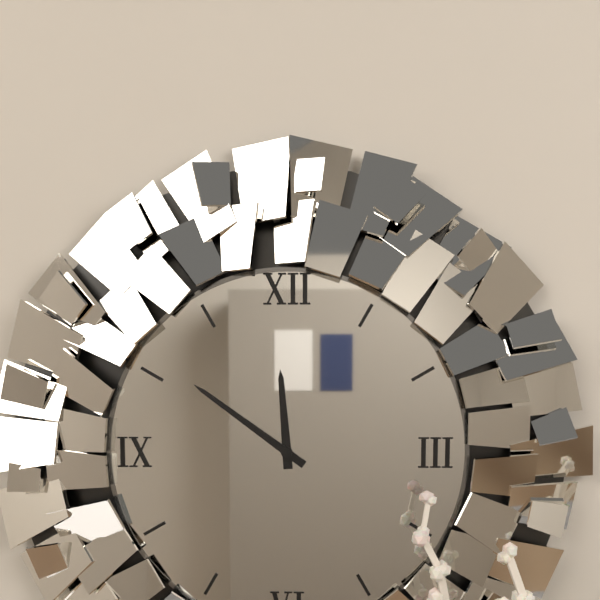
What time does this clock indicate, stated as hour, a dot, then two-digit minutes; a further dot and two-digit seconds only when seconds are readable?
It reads 11.51
